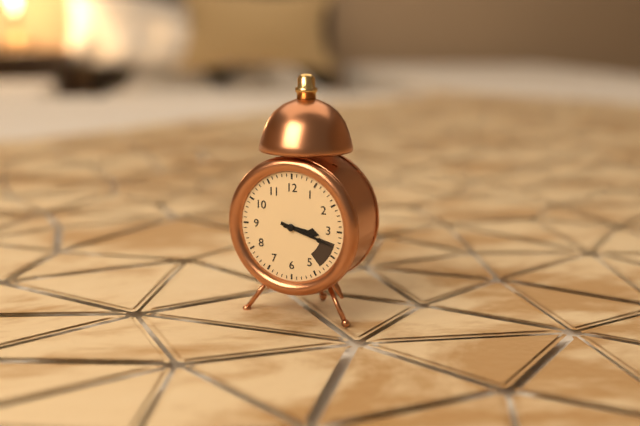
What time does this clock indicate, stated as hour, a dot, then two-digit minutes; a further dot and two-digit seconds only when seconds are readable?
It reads 3.18
